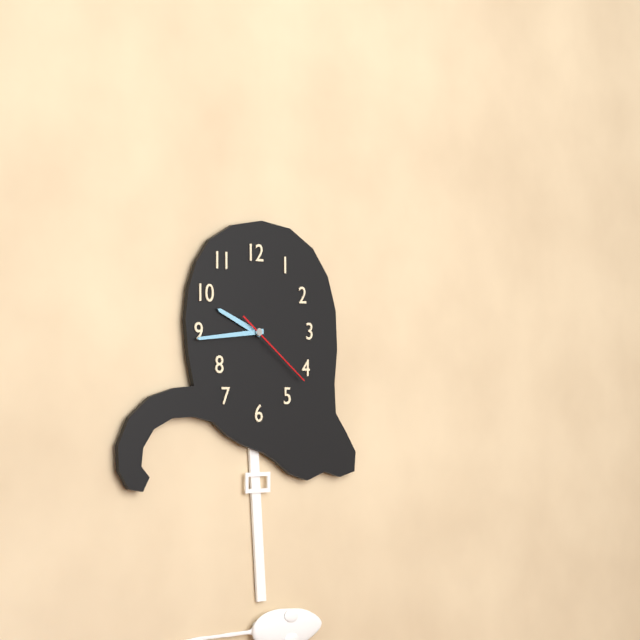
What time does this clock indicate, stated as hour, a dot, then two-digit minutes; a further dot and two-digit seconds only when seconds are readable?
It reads 9.44.21
